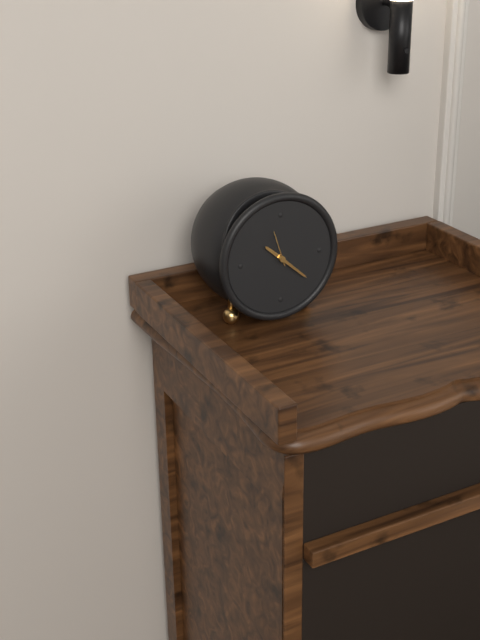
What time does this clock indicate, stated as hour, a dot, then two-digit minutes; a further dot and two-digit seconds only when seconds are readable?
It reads 10.22
